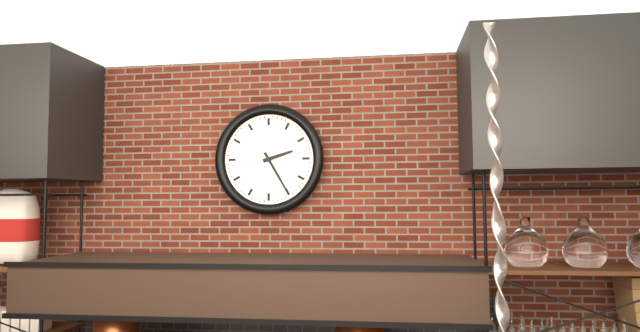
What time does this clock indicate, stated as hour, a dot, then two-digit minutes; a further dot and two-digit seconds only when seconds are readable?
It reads 2.25
